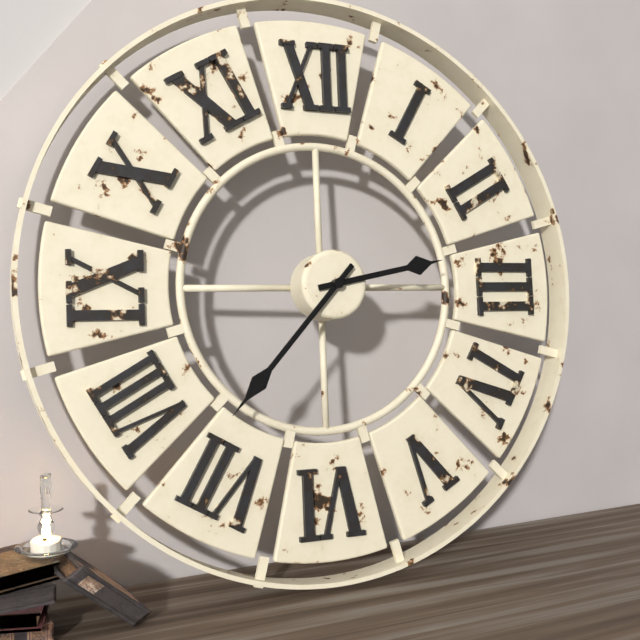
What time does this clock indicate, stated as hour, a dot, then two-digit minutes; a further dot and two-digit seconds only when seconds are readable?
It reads 2.37
